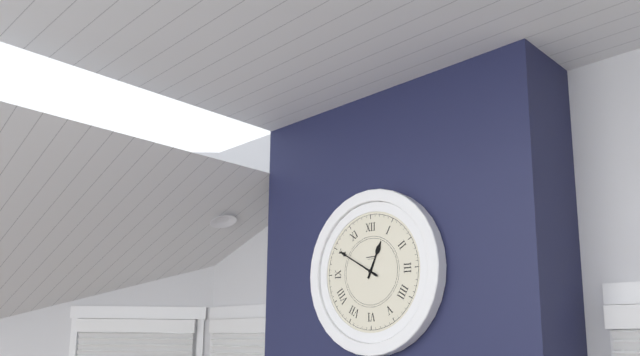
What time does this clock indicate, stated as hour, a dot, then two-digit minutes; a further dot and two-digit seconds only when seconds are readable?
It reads 12.50
